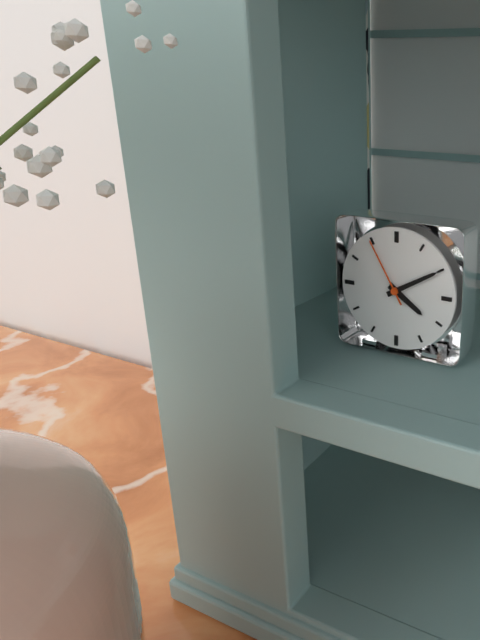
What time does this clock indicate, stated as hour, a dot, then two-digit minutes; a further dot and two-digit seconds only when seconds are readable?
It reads 4.10.55
